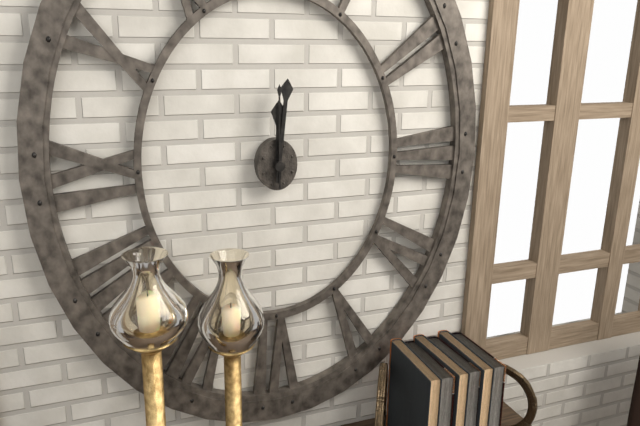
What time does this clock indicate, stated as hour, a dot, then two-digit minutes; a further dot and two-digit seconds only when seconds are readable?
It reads 12.01.00
